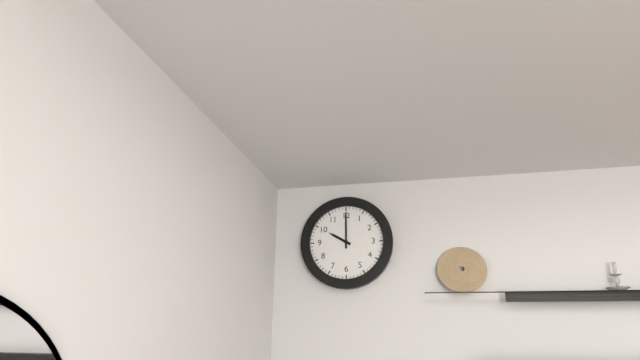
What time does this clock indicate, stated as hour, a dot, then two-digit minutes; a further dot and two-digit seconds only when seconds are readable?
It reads 10.00
